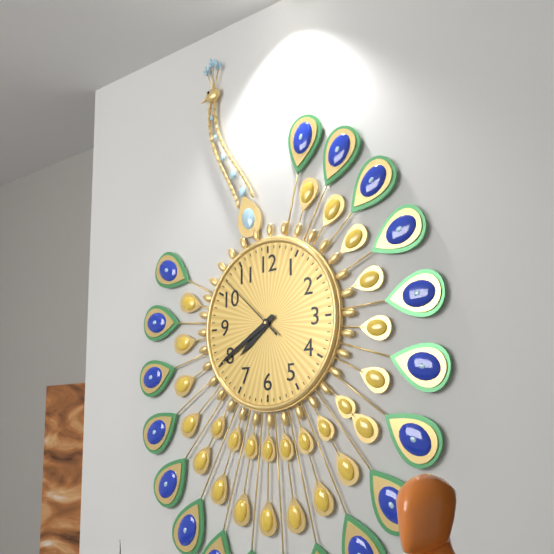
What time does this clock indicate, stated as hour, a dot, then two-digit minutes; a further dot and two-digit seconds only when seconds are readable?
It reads 7.40.52
